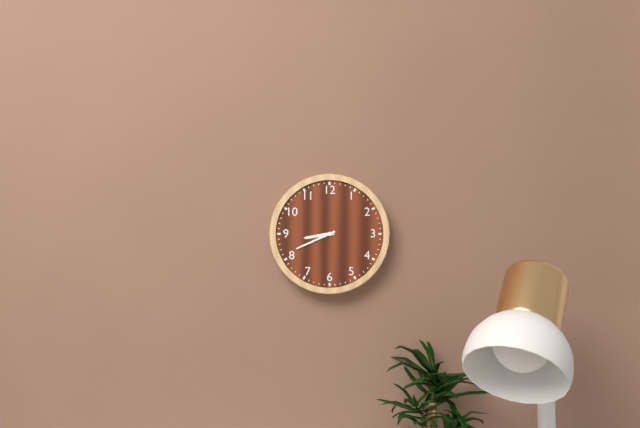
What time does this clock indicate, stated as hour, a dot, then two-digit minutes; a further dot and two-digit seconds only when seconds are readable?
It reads 8.41
